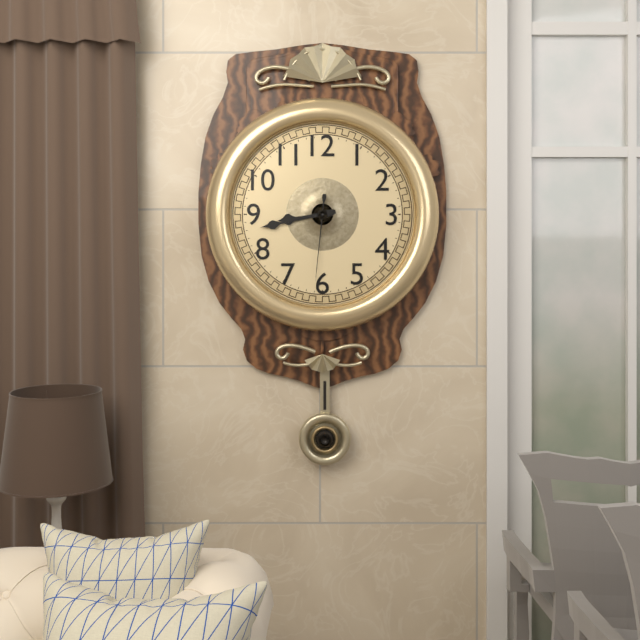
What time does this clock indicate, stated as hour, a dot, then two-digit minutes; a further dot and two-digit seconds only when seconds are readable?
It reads 8.43.31
